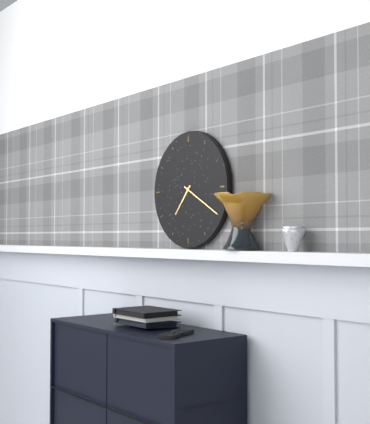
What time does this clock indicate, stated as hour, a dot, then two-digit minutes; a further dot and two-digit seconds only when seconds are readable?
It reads 7.20
